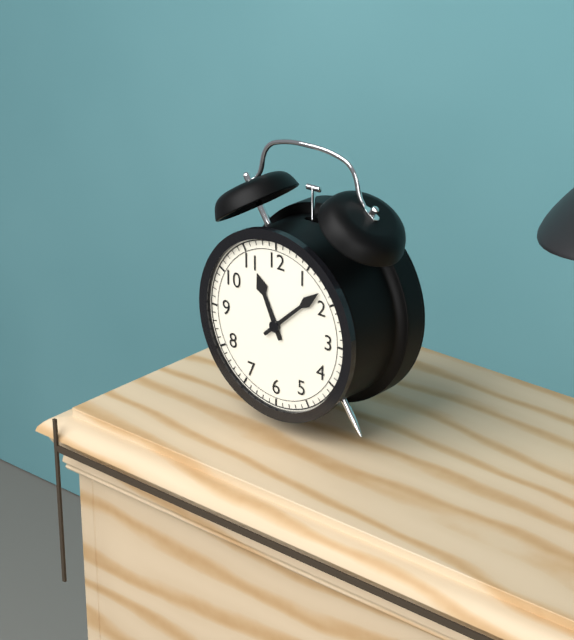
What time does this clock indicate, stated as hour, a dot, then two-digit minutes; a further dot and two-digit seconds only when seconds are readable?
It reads 11.08
